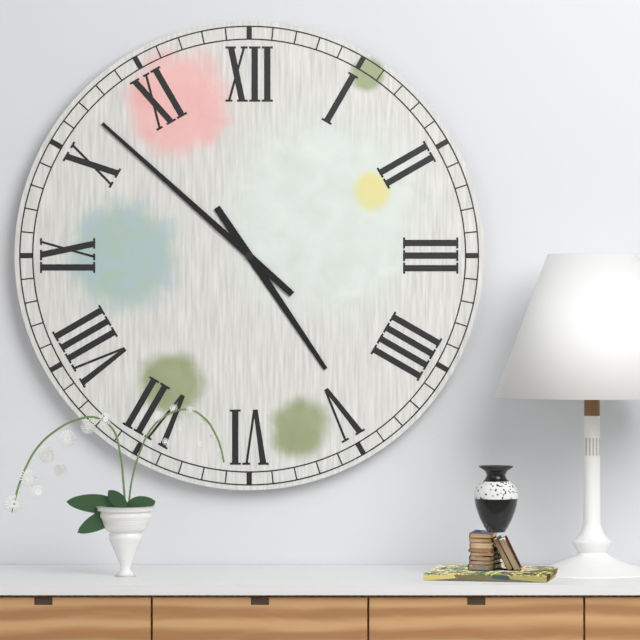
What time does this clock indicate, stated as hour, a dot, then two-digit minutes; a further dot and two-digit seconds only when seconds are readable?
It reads 4.52
